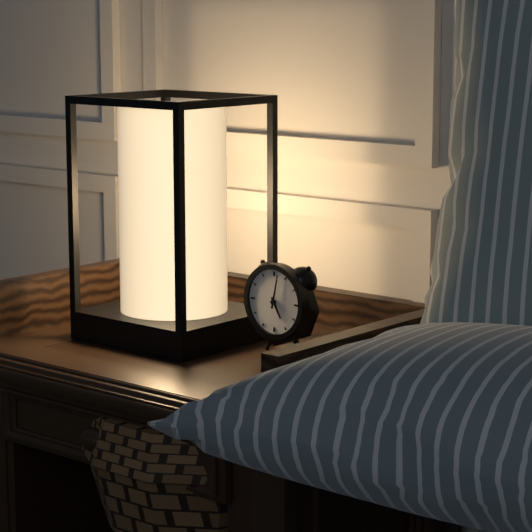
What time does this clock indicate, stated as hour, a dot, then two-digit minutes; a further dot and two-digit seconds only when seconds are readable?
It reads 5.02
